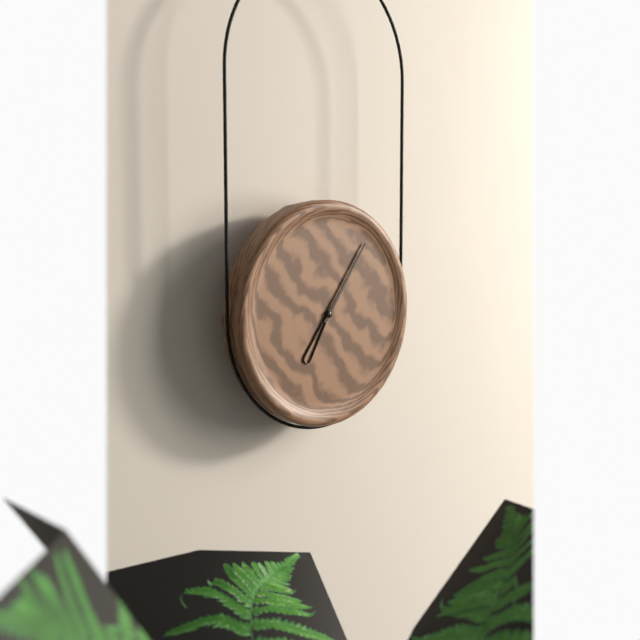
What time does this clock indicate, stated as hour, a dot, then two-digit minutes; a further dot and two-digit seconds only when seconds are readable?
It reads 7.06
